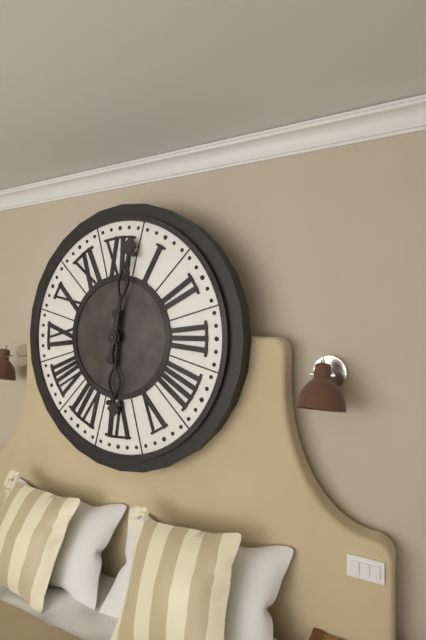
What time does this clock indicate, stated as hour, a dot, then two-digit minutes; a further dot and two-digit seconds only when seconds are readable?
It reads 6.02
